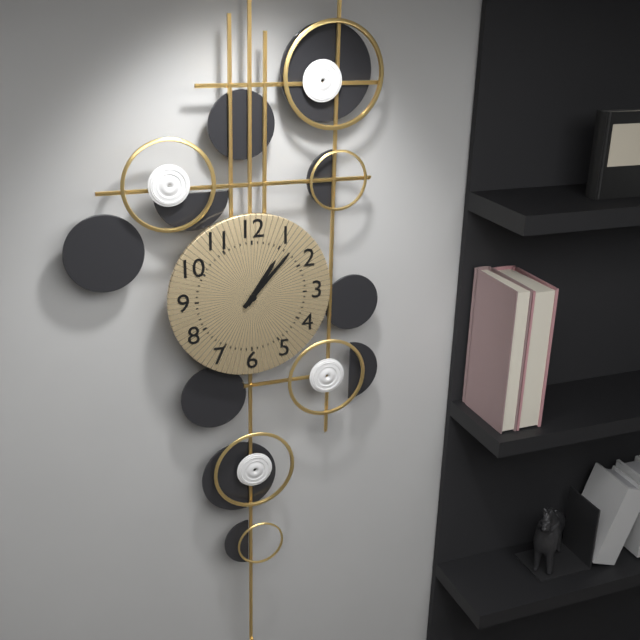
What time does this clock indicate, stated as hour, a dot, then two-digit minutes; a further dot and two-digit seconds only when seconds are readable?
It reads 1.07
